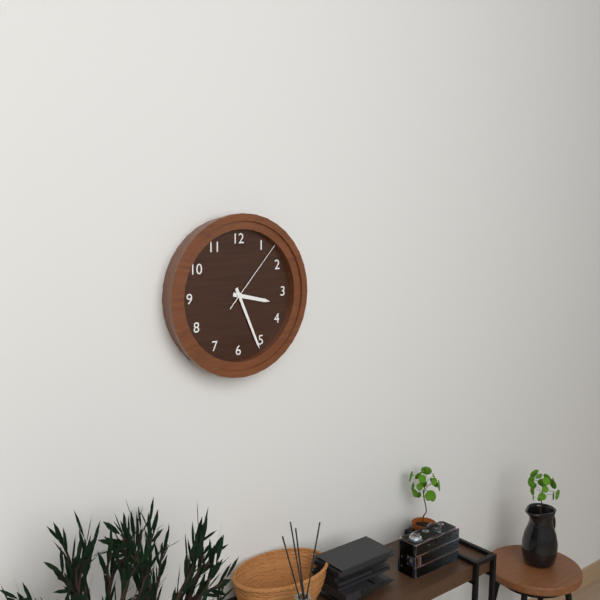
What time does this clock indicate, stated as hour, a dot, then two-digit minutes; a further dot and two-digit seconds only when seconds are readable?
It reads 3.26.07
